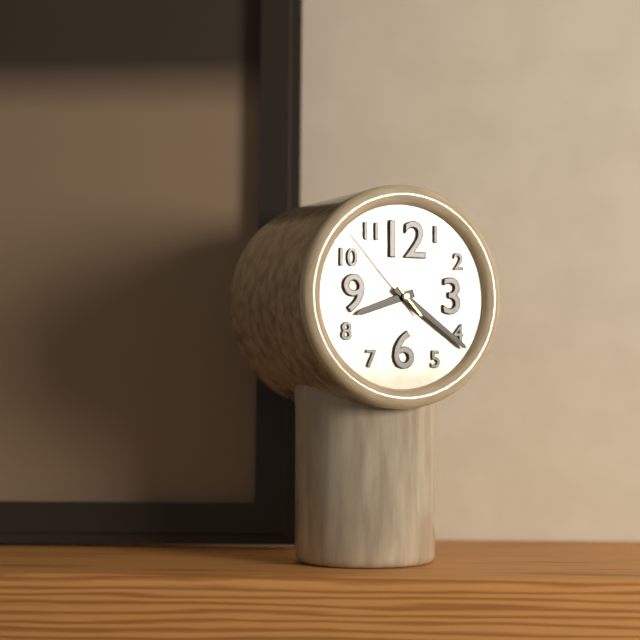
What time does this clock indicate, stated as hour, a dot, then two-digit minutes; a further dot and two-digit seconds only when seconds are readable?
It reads 8.21.53
